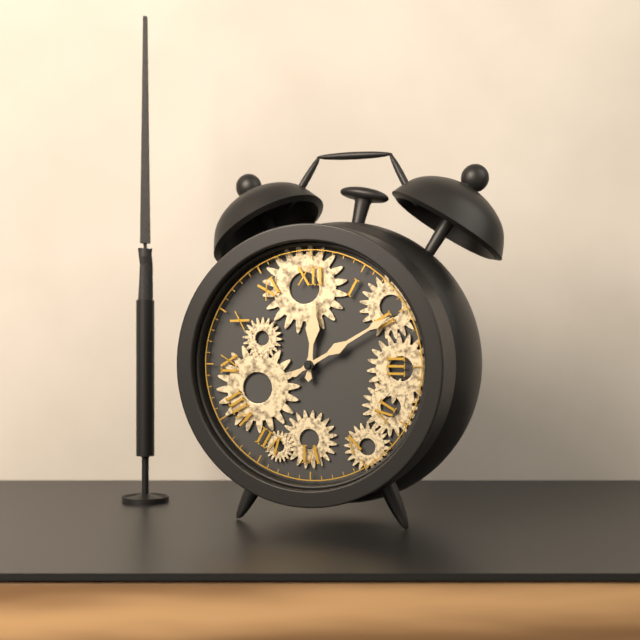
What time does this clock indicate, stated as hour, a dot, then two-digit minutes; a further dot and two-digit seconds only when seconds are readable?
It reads 12.10
